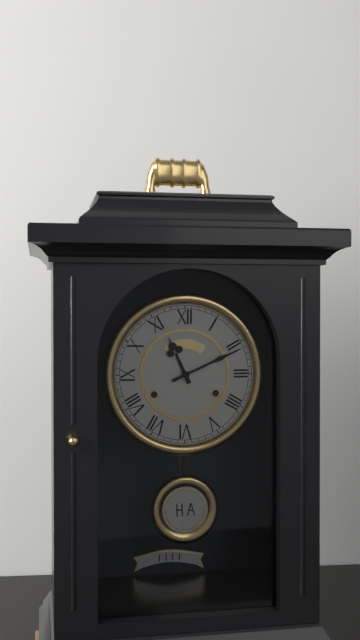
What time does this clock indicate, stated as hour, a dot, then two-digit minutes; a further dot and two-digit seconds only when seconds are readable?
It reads 11.11
